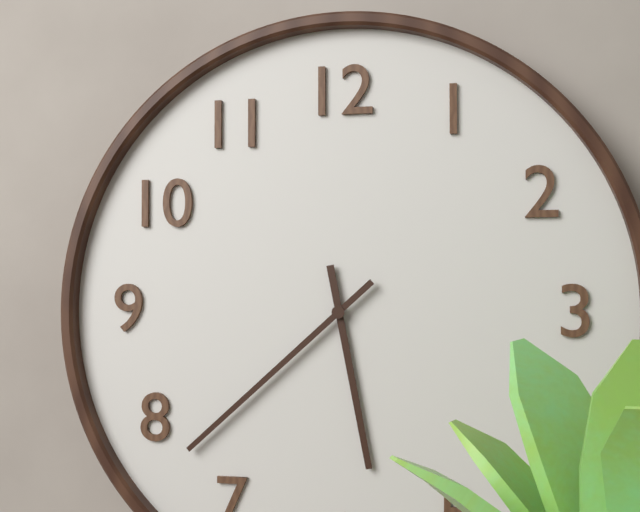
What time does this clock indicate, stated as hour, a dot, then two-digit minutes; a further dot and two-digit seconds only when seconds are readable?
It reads 5.38
